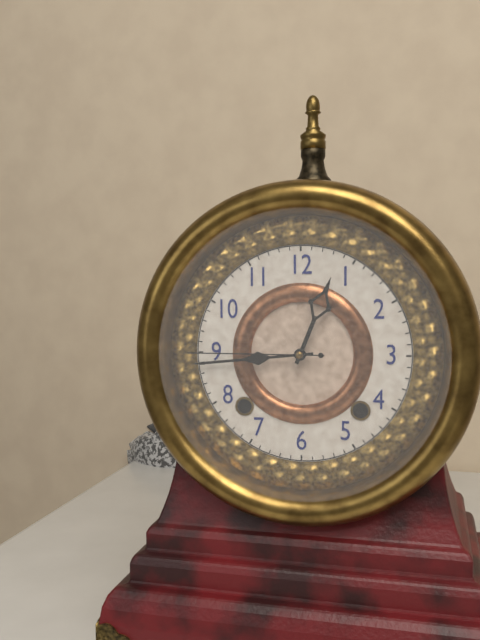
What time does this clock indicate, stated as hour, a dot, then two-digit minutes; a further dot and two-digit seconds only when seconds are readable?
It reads 12.44.45
